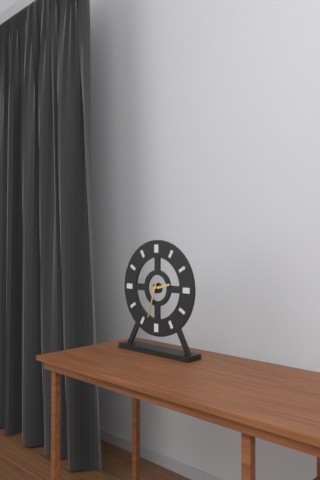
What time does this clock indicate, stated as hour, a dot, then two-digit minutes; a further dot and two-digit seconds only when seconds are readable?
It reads 2.33
